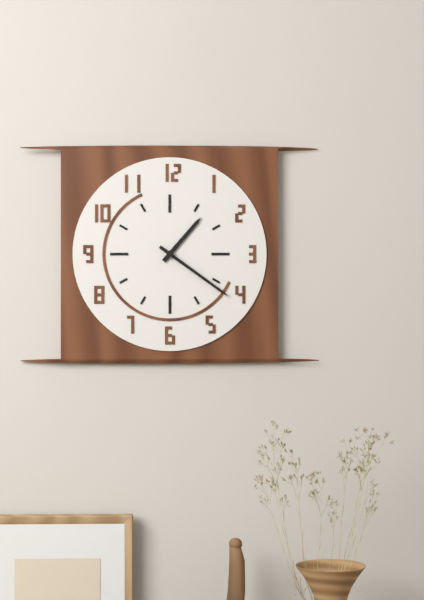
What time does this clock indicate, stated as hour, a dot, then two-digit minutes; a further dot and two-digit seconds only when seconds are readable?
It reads 1.21
